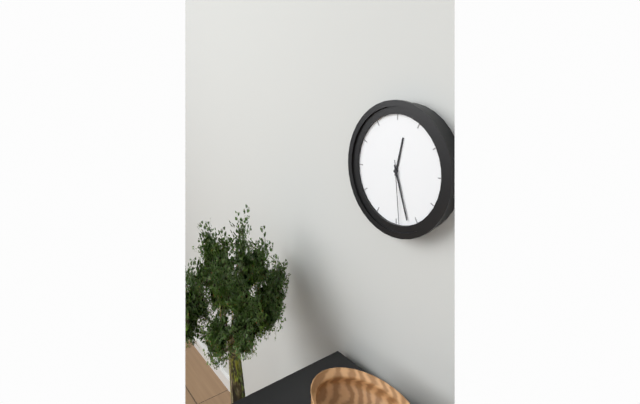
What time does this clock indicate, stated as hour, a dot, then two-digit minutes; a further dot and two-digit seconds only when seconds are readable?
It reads 12.27.29
